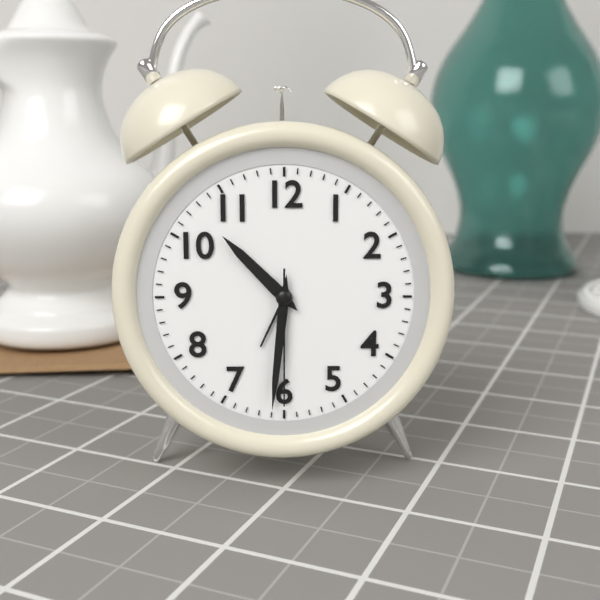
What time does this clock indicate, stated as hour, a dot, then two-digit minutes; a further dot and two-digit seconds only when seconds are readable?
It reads 10.31.30
